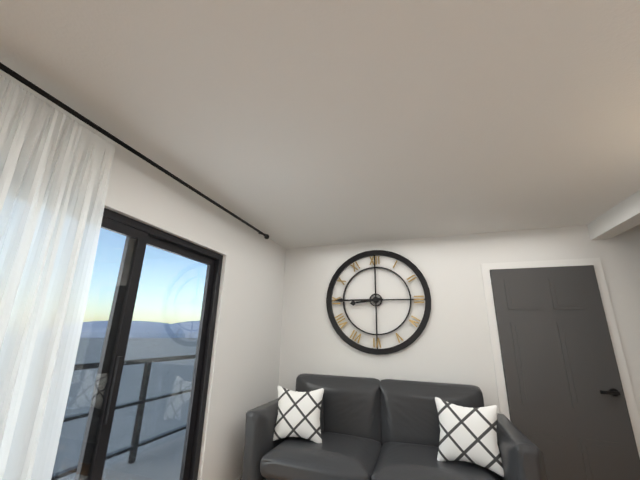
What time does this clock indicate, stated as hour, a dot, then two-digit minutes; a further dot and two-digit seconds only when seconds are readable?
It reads 8.45
